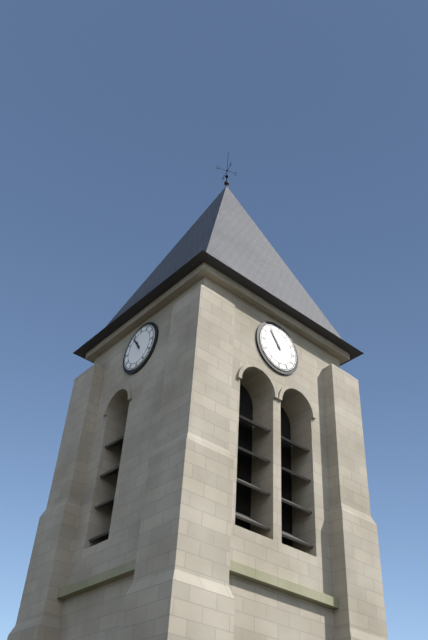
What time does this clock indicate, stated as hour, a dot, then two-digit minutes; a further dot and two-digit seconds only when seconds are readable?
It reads 10.54
